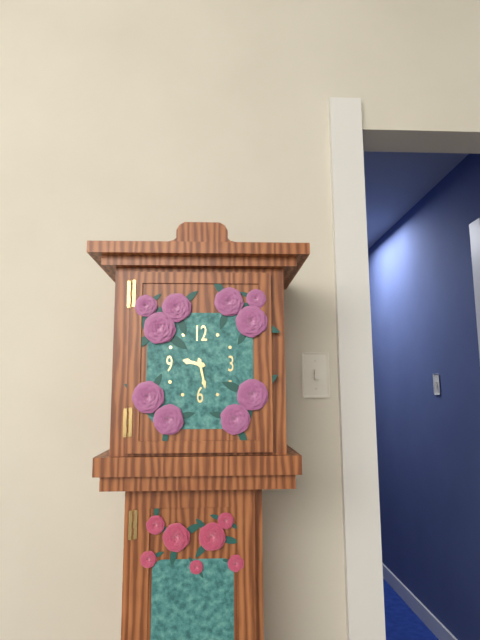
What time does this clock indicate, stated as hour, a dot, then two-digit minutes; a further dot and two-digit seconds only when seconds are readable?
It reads 9.28
